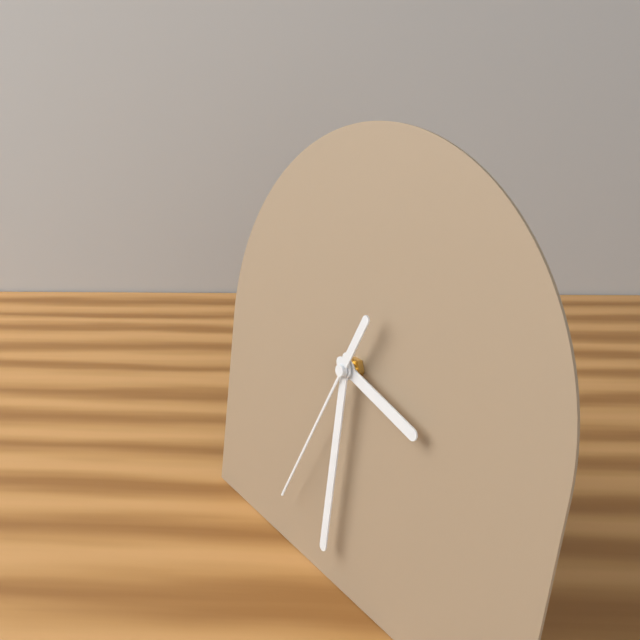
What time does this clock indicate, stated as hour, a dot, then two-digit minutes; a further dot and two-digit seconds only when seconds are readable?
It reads 3.30.34
